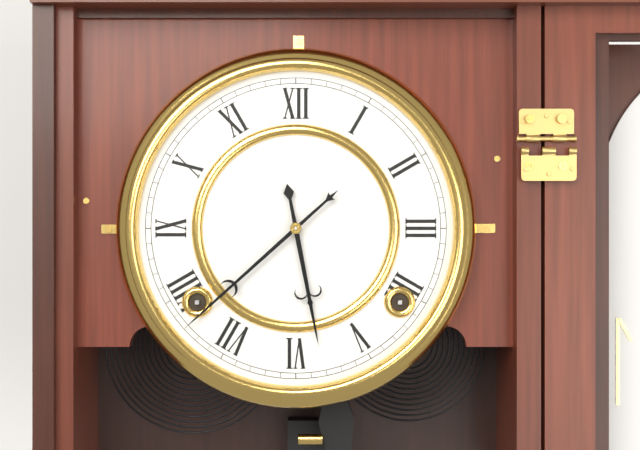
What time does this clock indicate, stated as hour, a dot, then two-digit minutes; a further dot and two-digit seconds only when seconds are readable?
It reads 5.38
